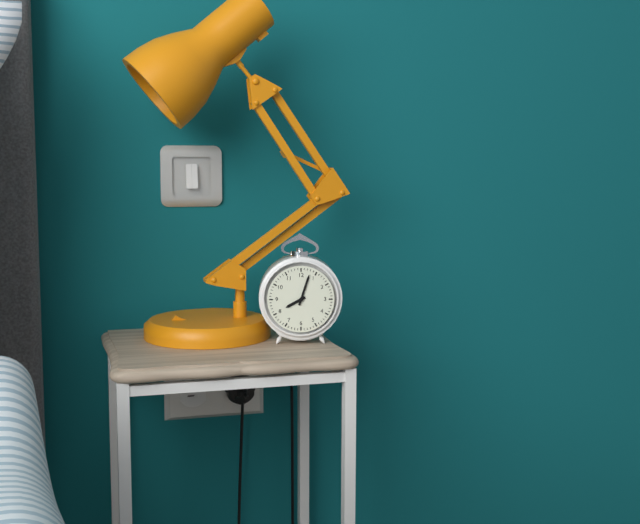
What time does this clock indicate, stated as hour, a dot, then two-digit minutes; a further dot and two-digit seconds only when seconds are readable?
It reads 8.03
